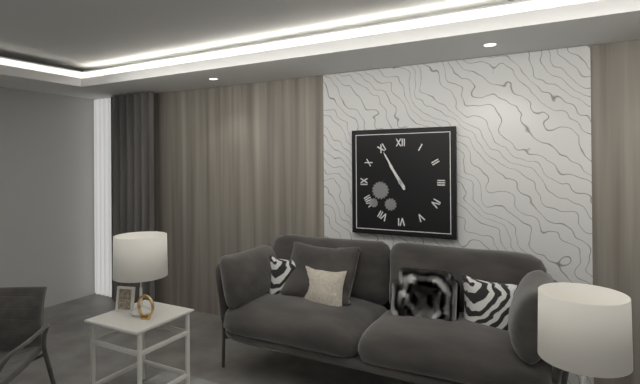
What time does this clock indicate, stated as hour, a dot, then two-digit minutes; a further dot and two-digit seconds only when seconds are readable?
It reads 10.55
